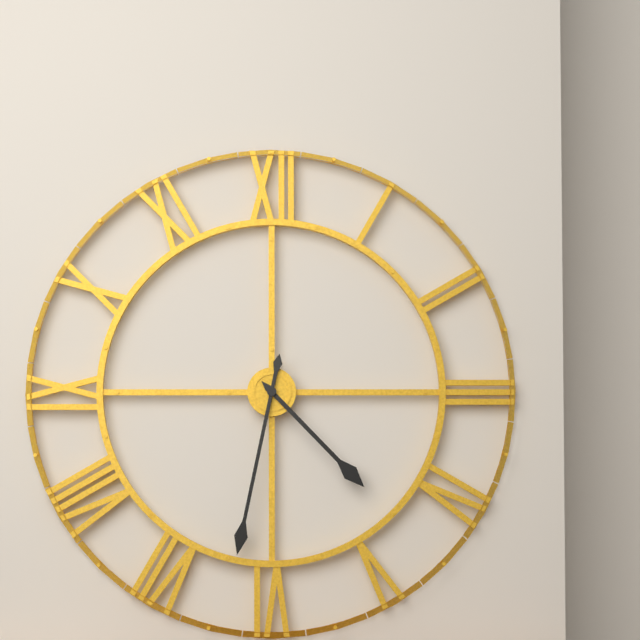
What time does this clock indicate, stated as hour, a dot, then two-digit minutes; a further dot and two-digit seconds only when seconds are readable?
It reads 4.32
